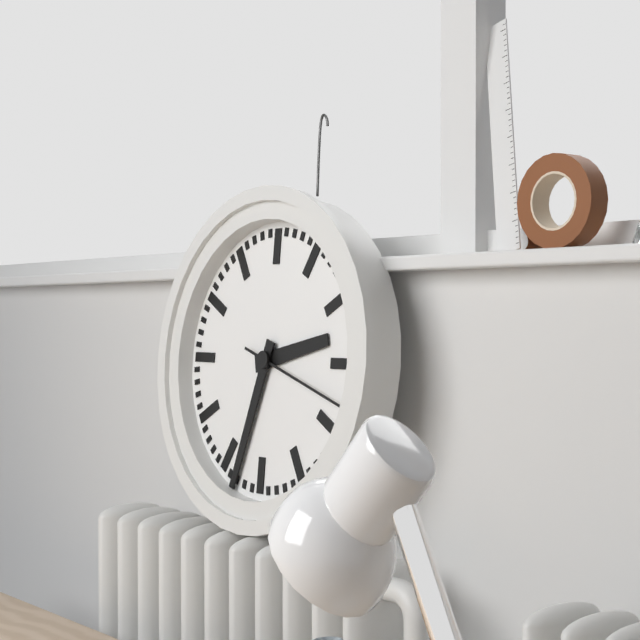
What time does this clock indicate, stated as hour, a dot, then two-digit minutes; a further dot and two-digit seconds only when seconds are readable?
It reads 2.33.18
